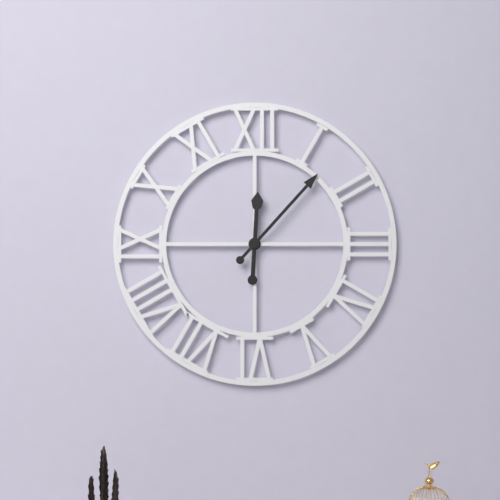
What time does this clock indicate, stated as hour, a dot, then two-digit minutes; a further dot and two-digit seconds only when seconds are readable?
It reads 12.07
